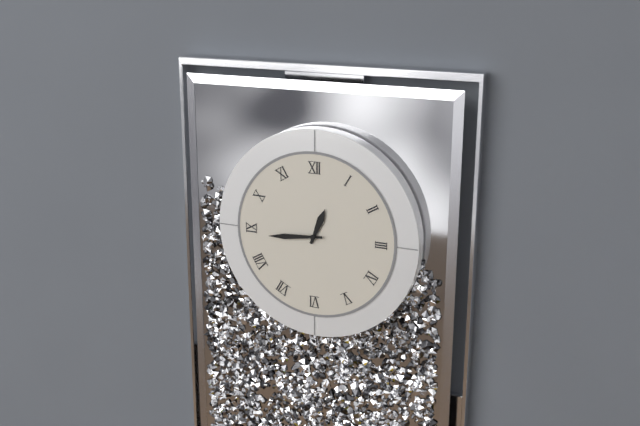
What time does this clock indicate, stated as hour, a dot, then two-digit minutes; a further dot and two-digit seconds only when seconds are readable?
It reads 12.44
